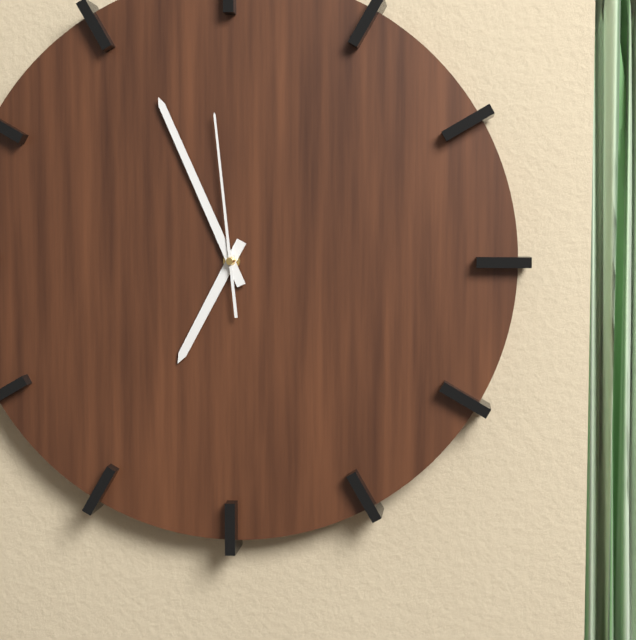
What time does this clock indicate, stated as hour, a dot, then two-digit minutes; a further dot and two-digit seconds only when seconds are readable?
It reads 6.56.59
